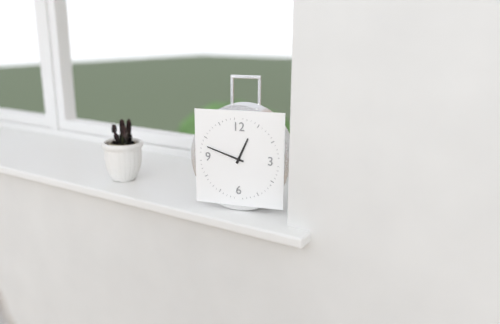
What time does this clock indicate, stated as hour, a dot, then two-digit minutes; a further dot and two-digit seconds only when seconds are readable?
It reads 12.48
